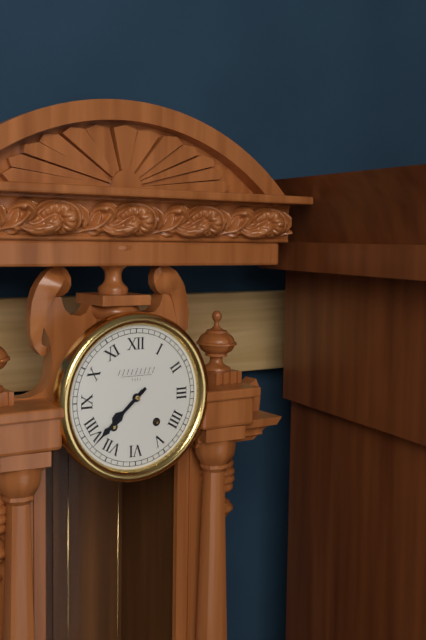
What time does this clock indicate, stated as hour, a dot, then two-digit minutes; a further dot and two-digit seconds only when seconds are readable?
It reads 7.38
